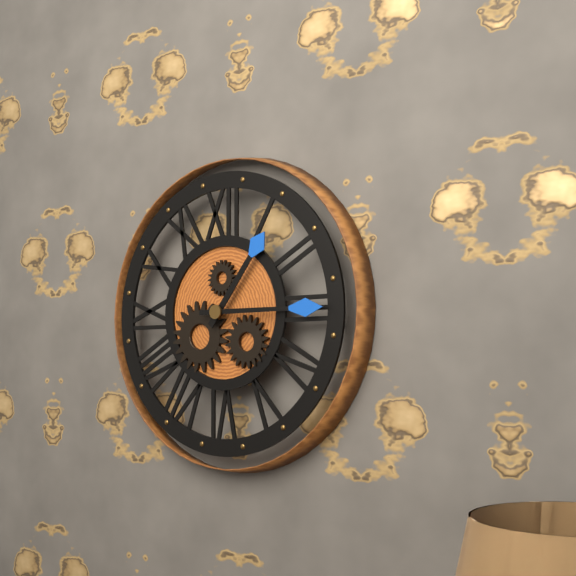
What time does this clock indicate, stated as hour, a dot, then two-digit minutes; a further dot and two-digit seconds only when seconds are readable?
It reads 1.15
